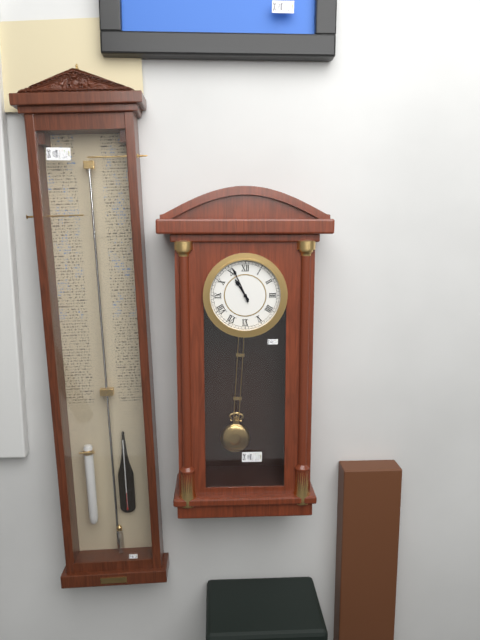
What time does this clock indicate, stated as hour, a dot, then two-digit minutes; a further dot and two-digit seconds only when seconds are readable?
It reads 10.56
